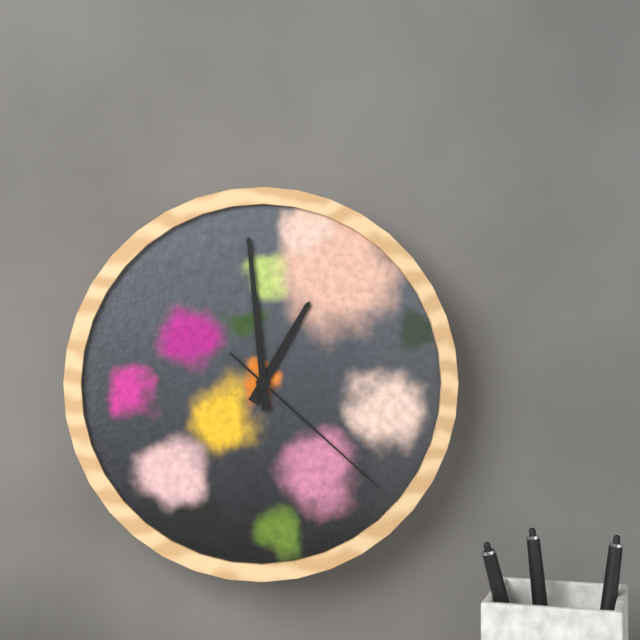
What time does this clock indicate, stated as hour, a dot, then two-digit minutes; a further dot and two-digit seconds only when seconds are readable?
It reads 12.59.22
